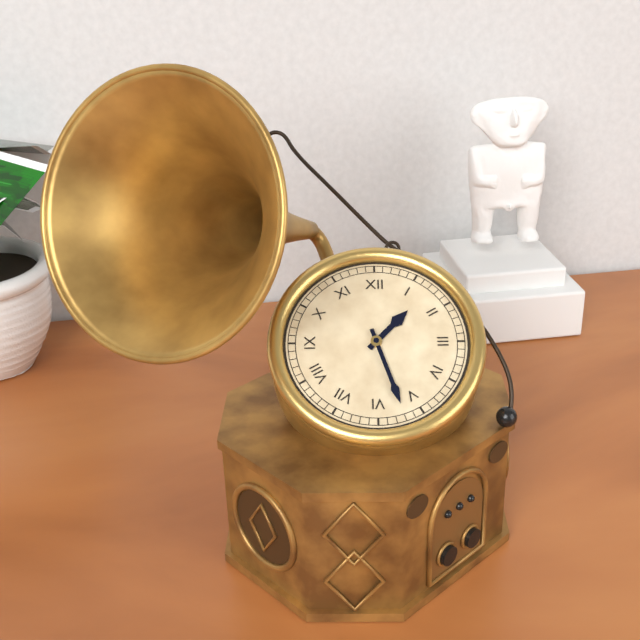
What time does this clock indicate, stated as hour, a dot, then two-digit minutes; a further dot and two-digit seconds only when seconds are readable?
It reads 1.27
